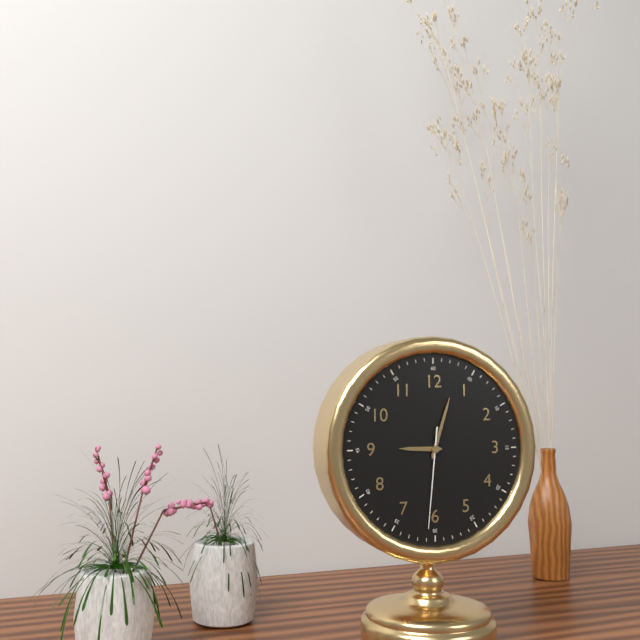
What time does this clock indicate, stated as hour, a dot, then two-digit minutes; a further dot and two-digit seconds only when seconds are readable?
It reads 9.03.31
